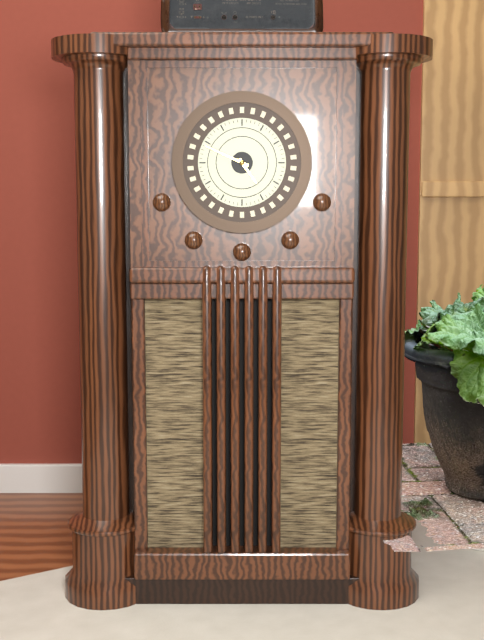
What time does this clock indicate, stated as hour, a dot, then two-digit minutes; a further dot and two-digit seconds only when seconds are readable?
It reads 4.49
